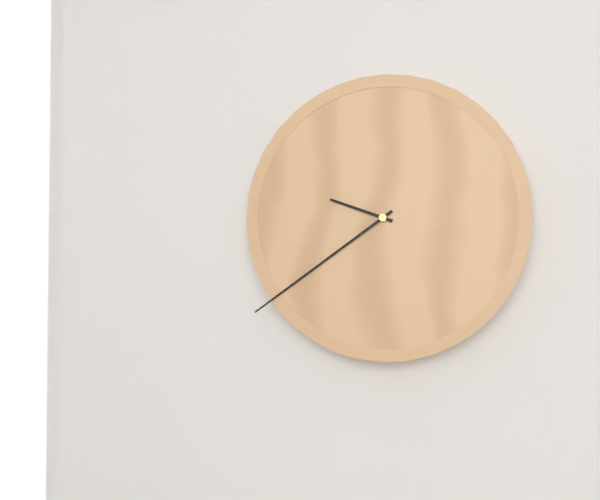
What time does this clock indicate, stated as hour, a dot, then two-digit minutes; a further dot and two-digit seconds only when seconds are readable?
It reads 9.39
